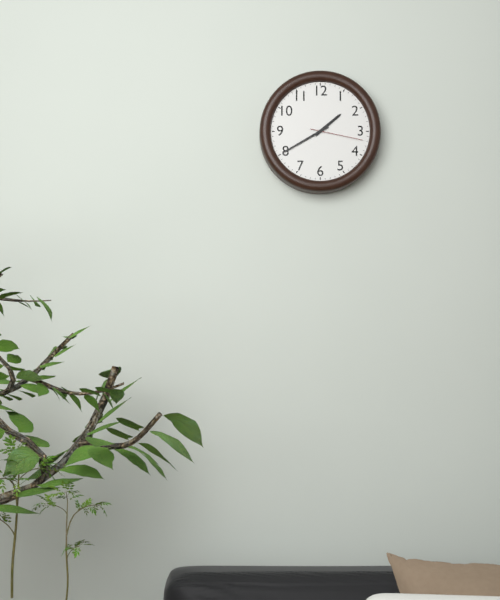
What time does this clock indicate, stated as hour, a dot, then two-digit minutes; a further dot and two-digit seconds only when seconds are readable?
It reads 1.40.17
